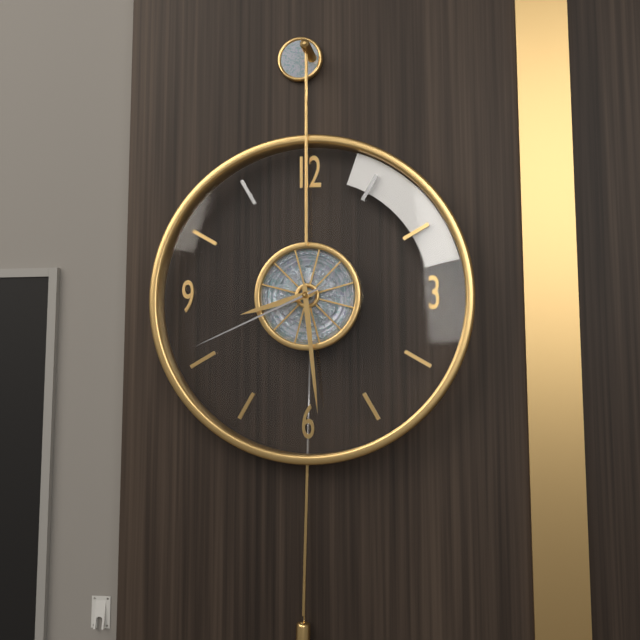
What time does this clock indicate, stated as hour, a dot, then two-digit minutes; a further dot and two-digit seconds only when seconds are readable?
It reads 8.29.41
